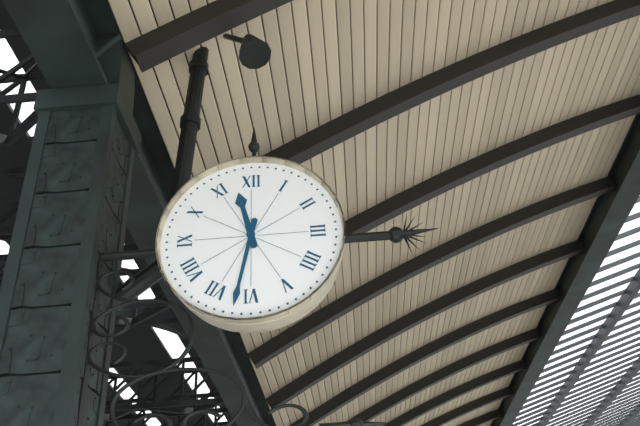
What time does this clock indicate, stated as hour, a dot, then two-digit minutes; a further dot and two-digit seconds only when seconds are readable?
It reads 11.32
